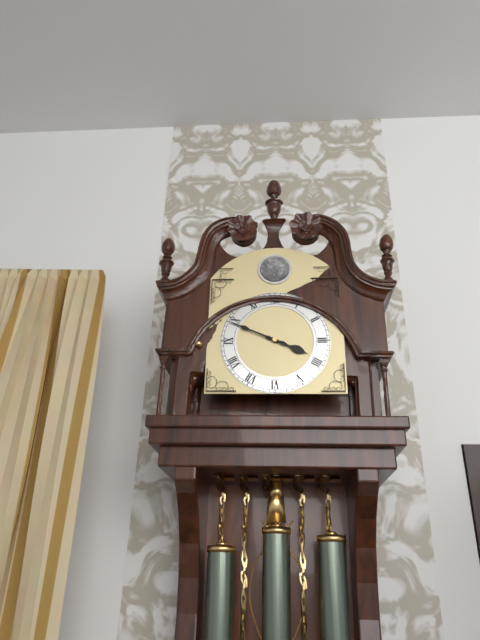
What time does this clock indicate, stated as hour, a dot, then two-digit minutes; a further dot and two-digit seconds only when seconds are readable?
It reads 3.49
